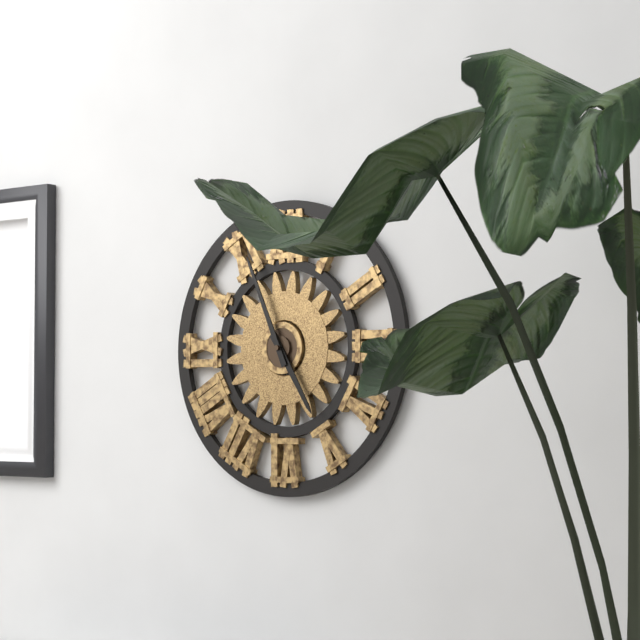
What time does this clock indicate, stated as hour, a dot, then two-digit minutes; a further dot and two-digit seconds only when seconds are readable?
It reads 4.56
